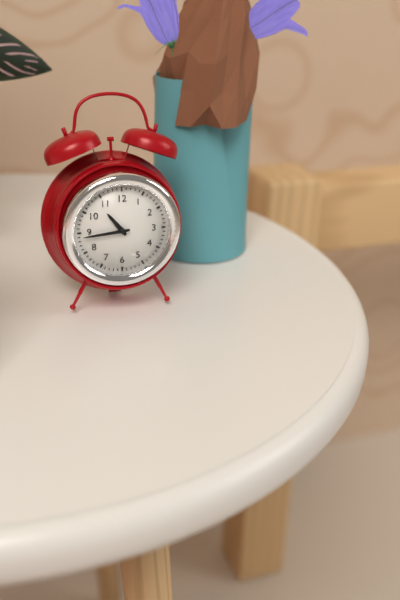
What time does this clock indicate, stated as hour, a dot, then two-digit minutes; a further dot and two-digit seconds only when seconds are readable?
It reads 10.44
